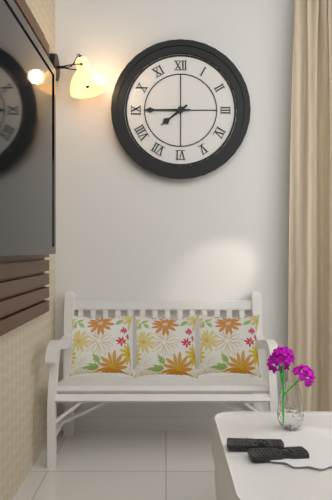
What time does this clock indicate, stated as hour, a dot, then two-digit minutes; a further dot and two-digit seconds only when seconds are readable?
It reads 7.45
